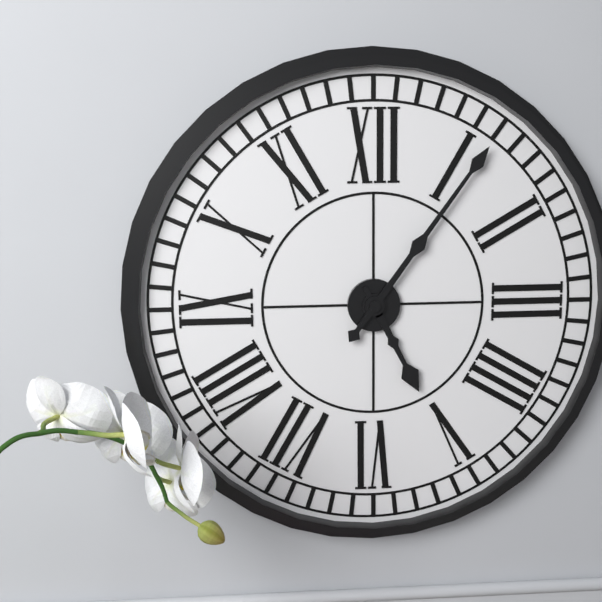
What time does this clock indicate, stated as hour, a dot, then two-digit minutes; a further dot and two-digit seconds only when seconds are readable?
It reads 5.06
